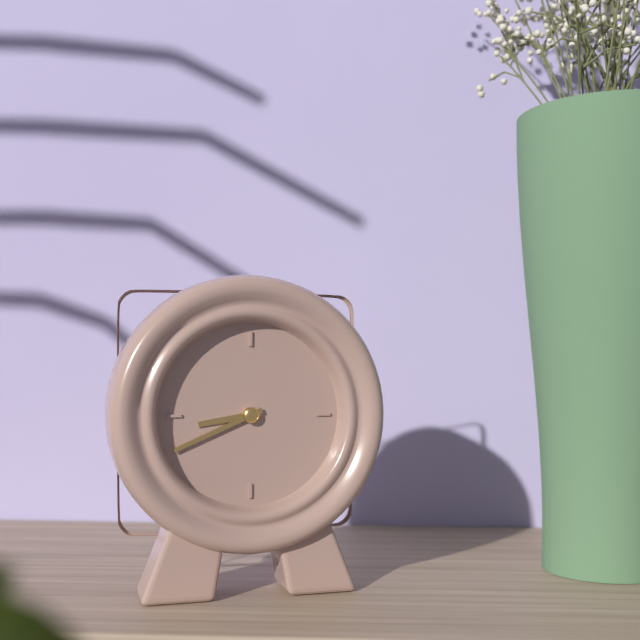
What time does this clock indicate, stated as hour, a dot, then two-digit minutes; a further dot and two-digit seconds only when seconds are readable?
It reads 8.41
